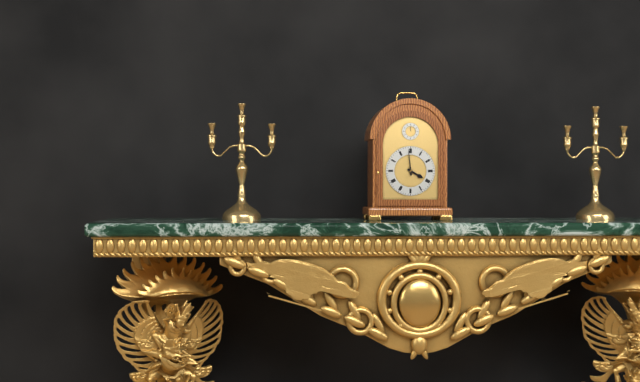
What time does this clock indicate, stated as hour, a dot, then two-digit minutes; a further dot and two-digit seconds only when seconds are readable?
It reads 3.59
